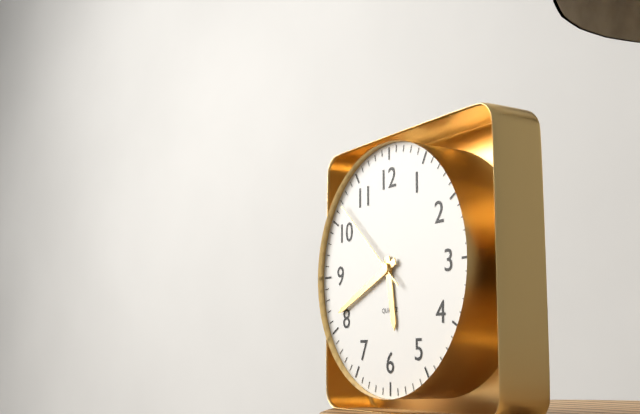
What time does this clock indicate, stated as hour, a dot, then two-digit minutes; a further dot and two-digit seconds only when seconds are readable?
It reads 5.41.52
